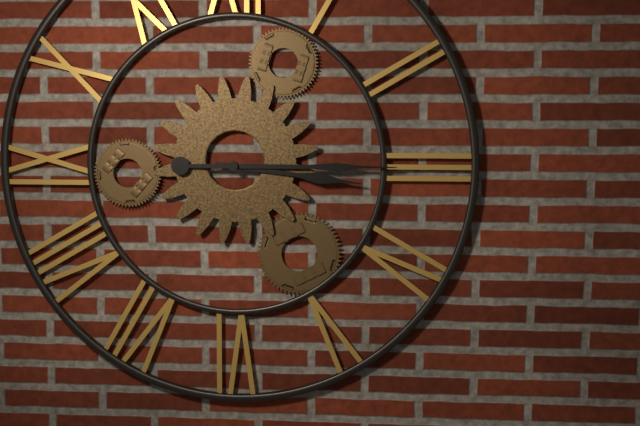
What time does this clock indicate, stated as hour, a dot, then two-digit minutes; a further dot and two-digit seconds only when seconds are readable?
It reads 3.15
